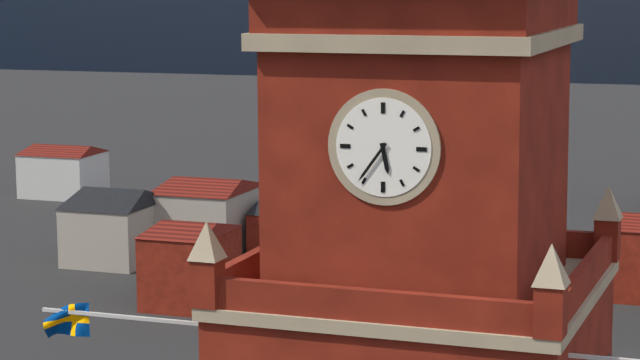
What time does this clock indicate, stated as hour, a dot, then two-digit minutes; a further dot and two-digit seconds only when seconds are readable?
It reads 5.36
